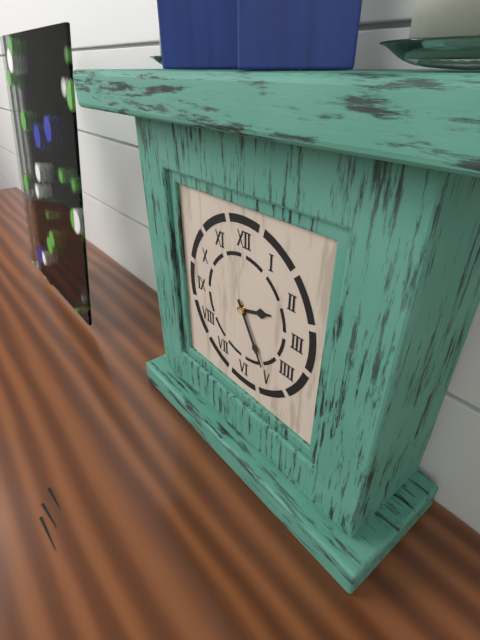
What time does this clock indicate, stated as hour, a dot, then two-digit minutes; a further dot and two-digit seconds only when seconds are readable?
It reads 2.25
